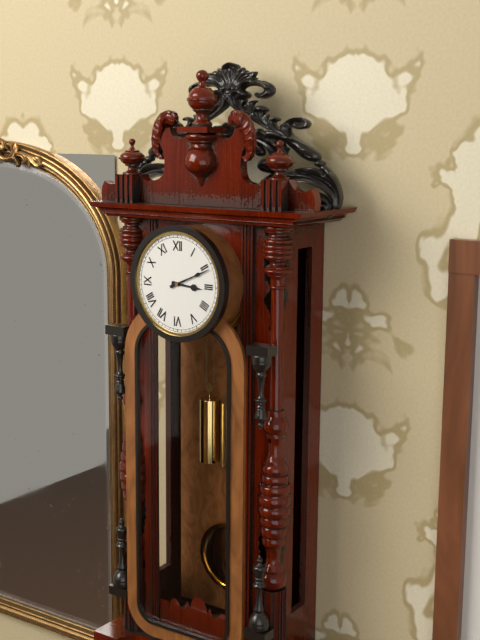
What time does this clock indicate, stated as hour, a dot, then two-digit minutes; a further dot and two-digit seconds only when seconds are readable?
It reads 3.11
